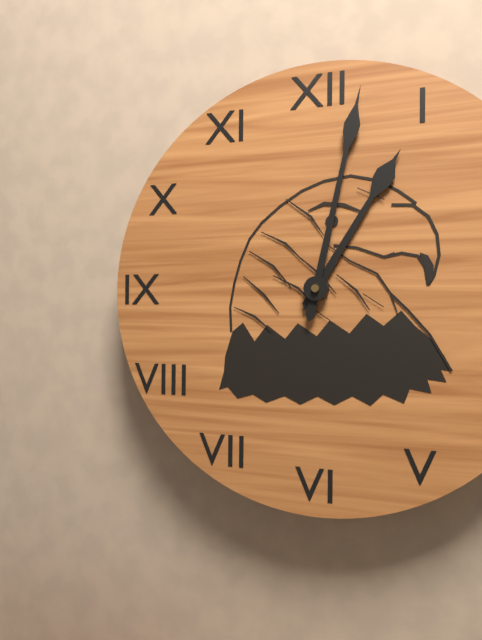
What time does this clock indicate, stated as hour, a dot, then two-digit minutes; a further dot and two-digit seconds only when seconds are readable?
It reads 1.02
